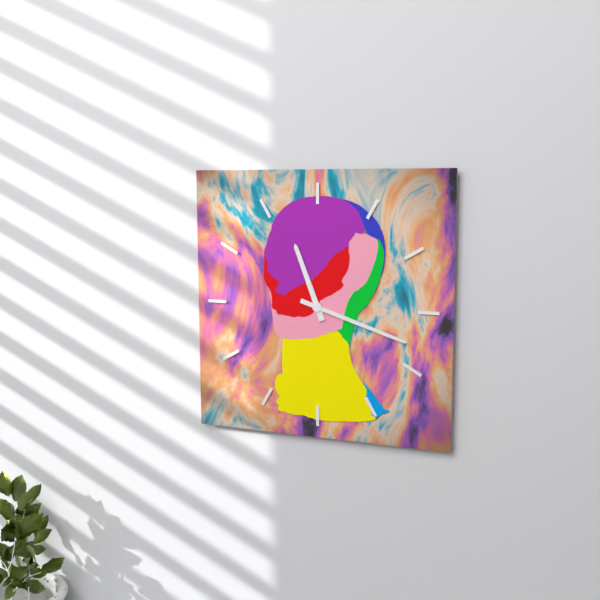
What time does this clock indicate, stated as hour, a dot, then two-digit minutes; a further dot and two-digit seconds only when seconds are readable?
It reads 11.18
